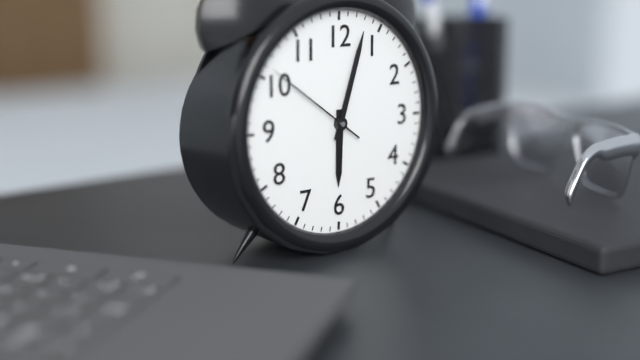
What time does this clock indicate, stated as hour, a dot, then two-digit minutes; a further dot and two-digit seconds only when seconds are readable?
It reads 6.03.51
